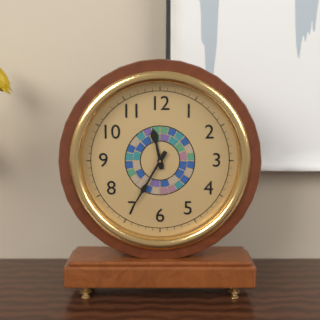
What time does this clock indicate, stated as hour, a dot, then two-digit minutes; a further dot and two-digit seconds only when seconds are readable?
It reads 11.35
